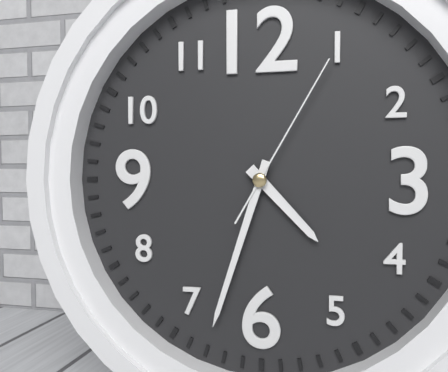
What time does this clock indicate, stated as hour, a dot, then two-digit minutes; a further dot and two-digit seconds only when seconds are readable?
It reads 4.33.05
